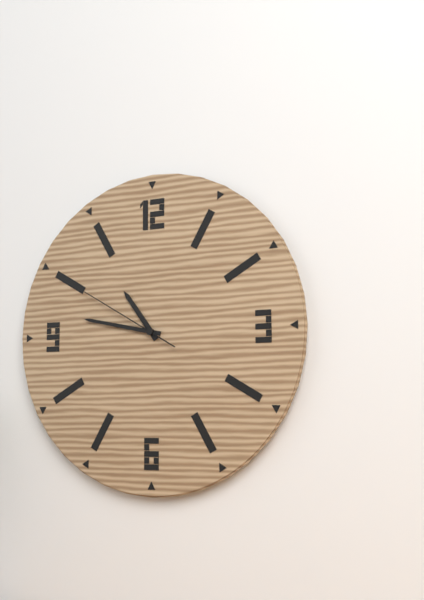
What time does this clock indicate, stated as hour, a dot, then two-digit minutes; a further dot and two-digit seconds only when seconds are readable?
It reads 10.47.50
